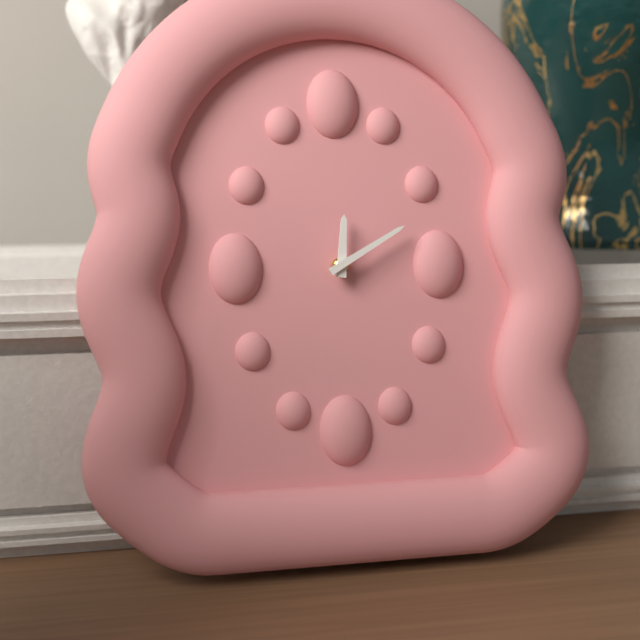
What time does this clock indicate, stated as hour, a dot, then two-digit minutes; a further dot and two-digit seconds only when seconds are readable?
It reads 12.10
